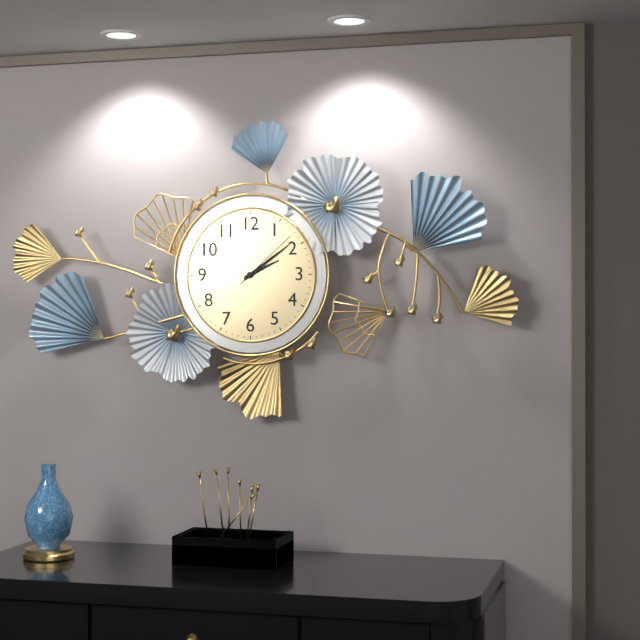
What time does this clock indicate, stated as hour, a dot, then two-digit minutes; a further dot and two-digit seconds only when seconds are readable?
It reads 2.09.08
